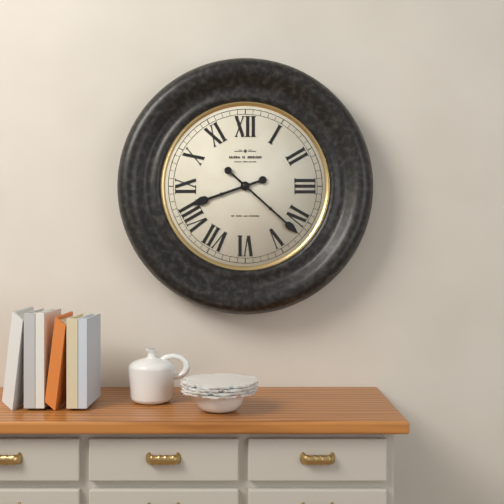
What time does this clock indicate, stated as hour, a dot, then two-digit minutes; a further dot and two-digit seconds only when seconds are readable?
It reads 8.22
